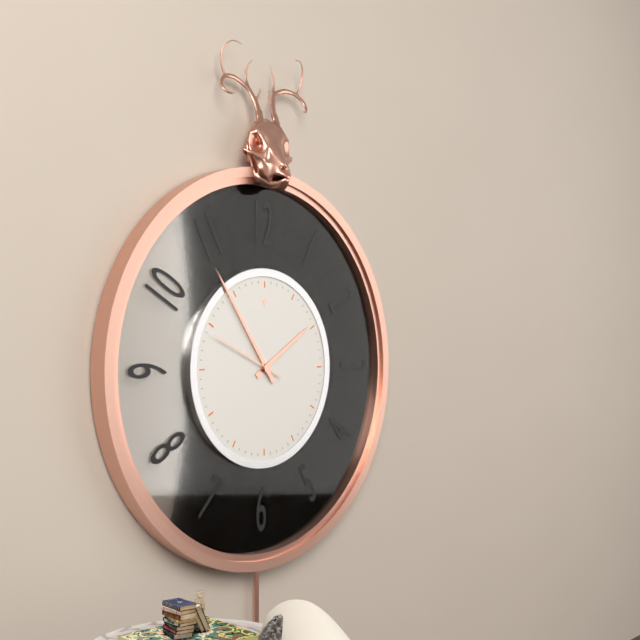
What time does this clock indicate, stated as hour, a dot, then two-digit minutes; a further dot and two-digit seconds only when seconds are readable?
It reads 1.54.49
